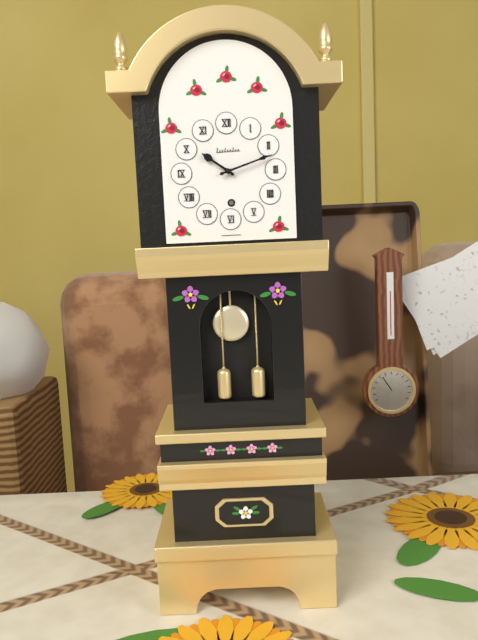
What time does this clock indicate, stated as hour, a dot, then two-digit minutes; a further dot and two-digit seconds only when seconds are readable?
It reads 10.12
